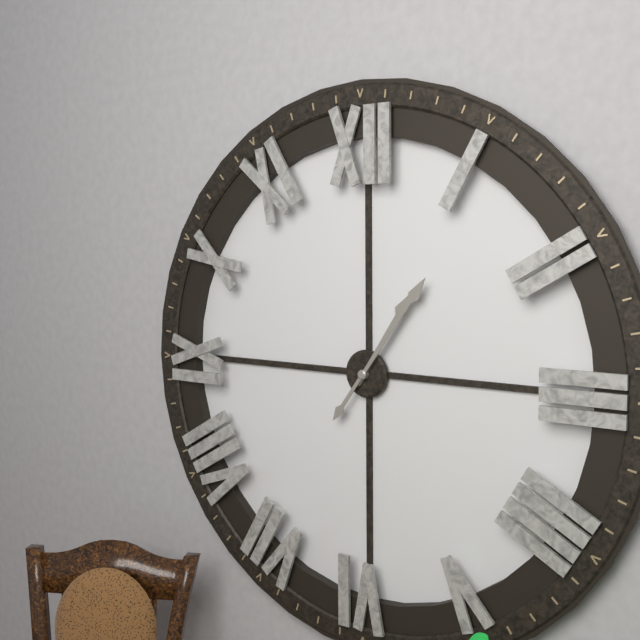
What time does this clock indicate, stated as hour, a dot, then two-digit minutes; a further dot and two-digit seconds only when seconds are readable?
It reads 1.06
